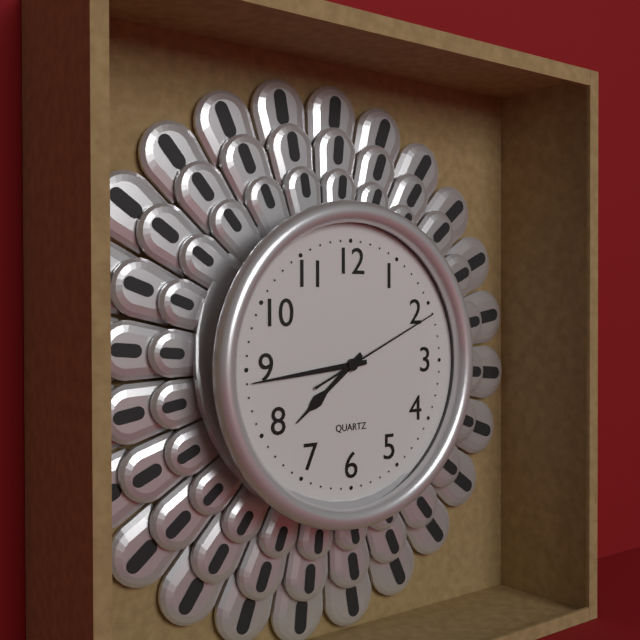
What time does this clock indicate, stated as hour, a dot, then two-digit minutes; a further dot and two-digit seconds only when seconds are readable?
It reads 7.44.11
